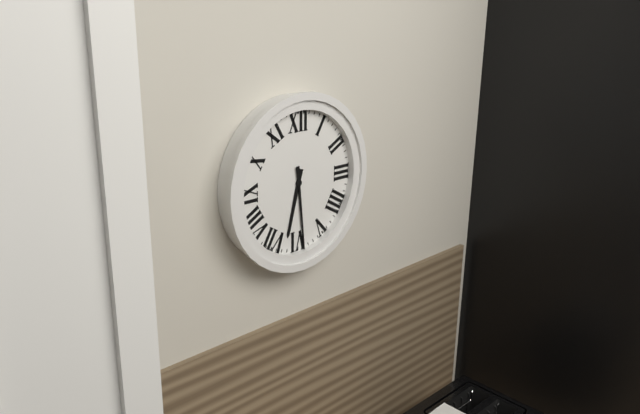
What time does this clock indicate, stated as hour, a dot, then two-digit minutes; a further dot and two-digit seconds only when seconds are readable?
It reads 6.29
